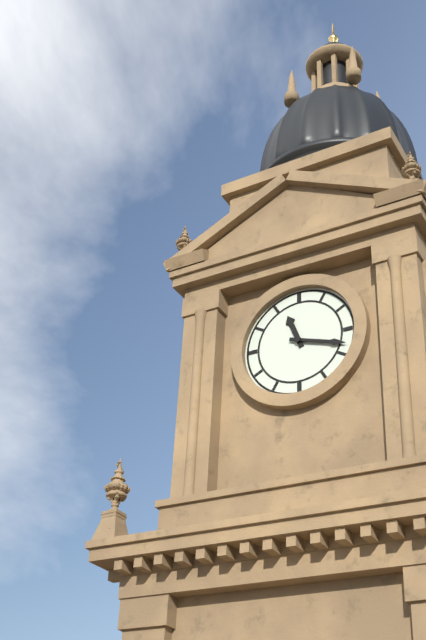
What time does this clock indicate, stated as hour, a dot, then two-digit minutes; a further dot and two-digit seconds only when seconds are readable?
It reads 11.18
